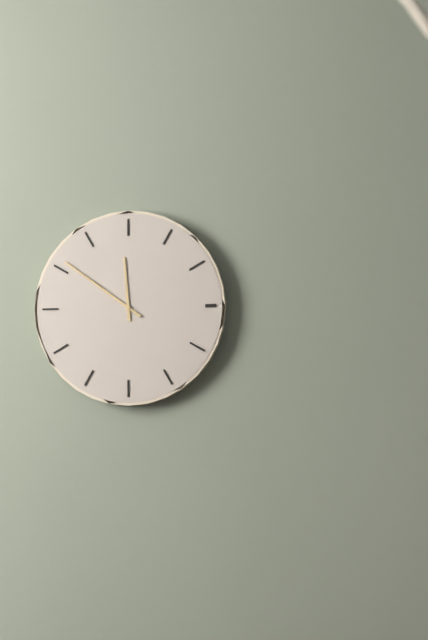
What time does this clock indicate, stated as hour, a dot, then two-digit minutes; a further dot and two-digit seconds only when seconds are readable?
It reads 11.51
